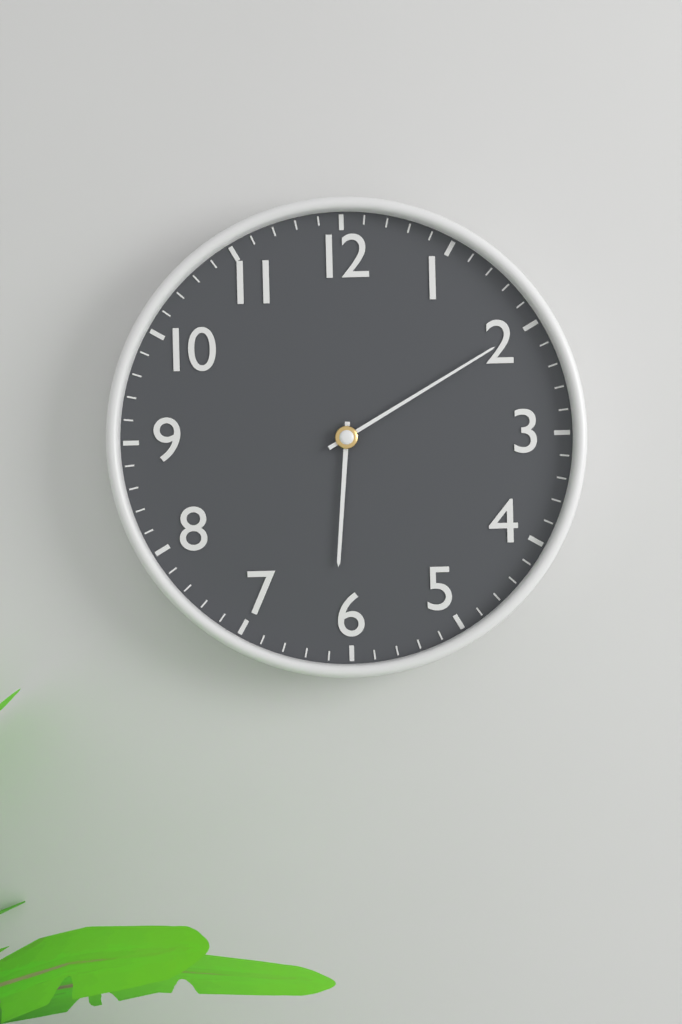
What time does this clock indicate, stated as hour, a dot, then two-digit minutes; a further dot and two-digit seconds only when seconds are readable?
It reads 6.10
